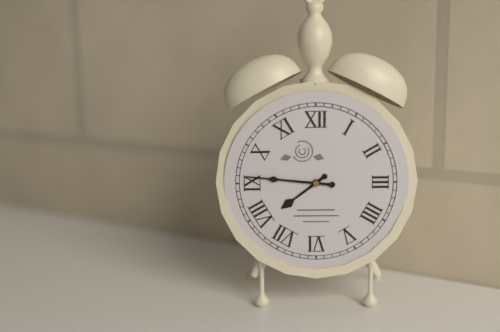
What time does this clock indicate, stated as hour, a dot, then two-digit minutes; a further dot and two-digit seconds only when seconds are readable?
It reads 7.46
